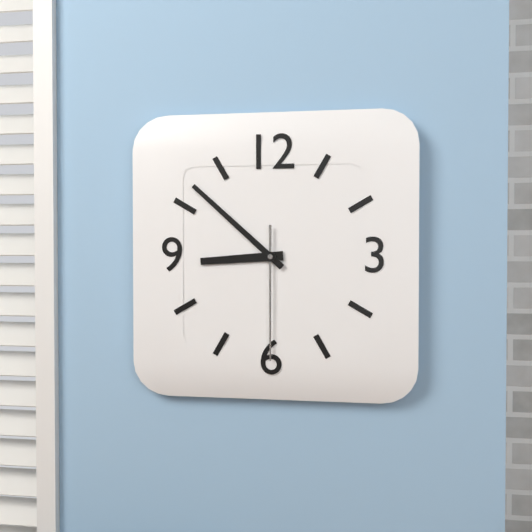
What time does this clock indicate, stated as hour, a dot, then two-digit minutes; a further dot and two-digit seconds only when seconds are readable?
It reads 8.52.30
